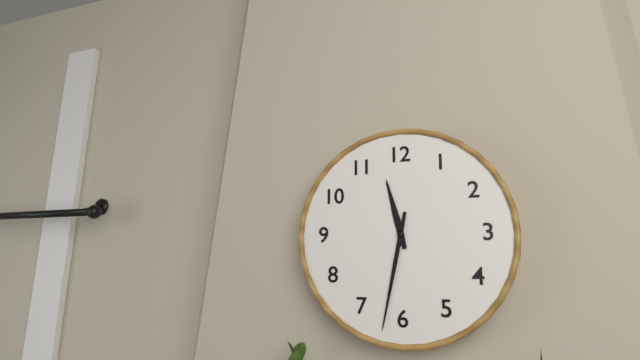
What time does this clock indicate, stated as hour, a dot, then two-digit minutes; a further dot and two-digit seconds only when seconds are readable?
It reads 11.32
